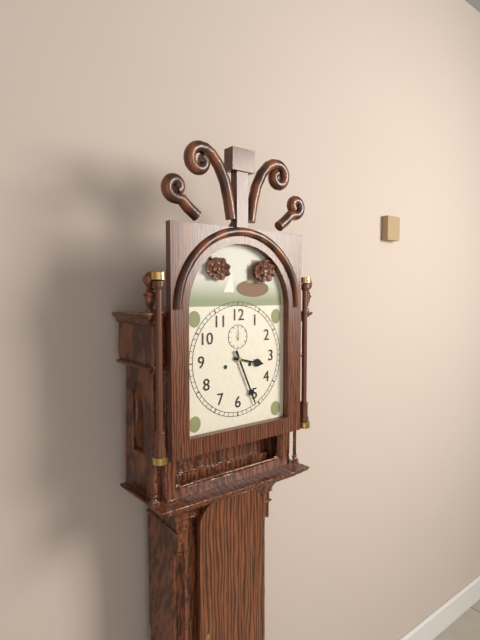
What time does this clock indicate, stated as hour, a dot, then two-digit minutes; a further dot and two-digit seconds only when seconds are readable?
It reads 3.26
